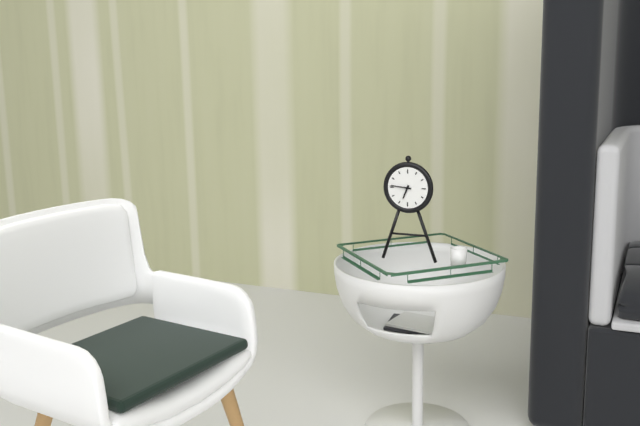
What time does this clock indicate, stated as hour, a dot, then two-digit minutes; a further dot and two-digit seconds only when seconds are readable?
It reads 6.46
